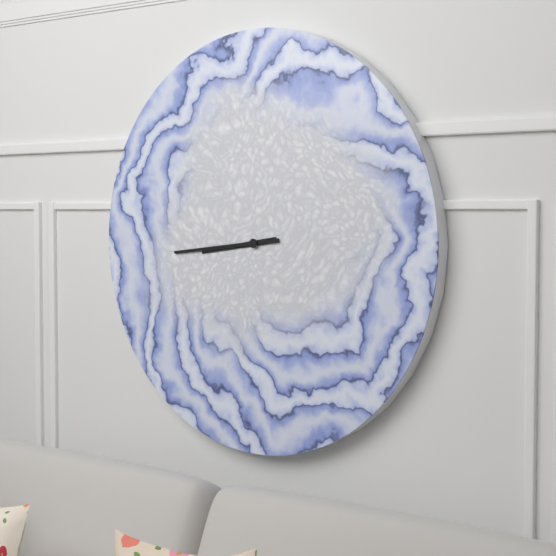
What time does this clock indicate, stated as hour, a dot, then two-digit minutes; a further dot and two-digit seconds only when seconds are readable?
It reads 8.44
